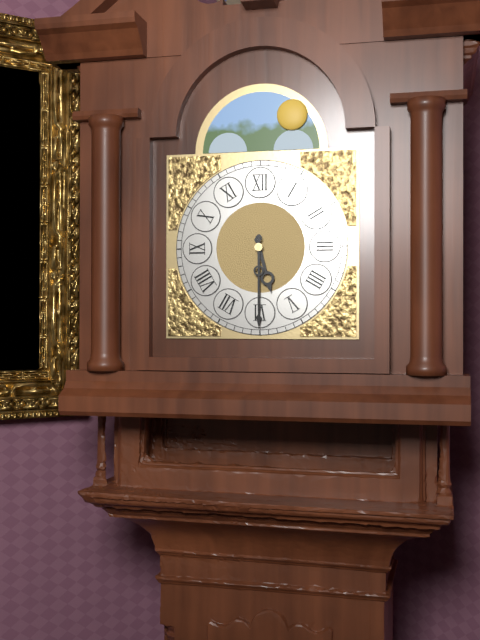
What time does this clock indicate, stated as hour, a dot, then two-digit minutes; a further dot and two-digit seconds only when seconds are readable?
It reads 5.30
